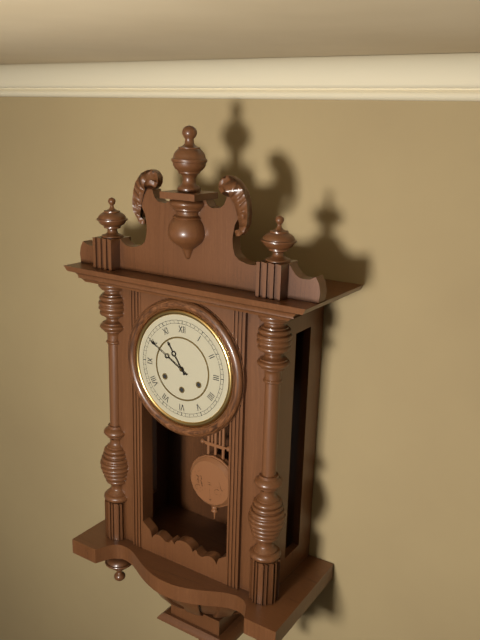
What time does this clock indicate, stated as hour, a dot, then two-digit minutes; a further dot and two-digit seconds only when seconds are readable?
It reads 10.50
